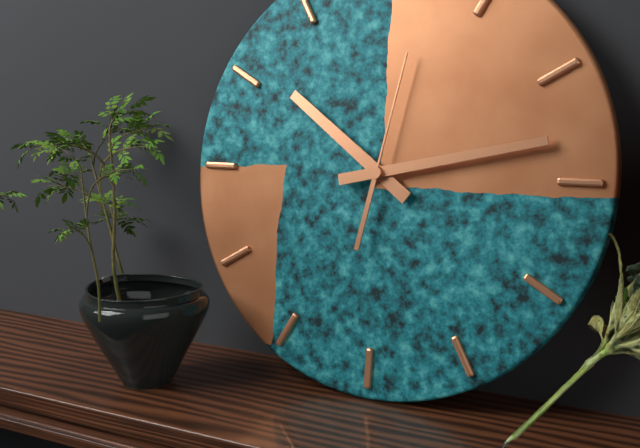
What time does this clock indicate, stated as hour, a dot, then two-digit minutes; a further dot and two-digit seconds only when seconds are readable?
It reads 10.13.02
